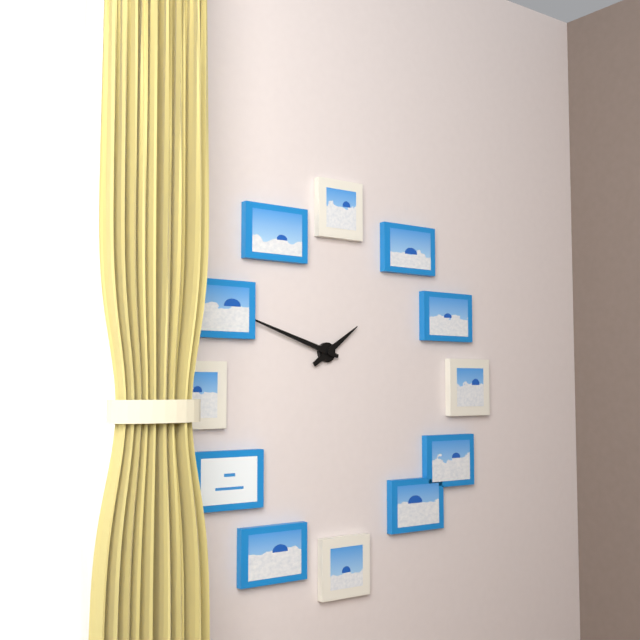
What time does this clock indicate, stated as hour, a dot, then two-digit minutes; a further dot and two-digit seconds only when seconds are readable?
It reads 1.48
